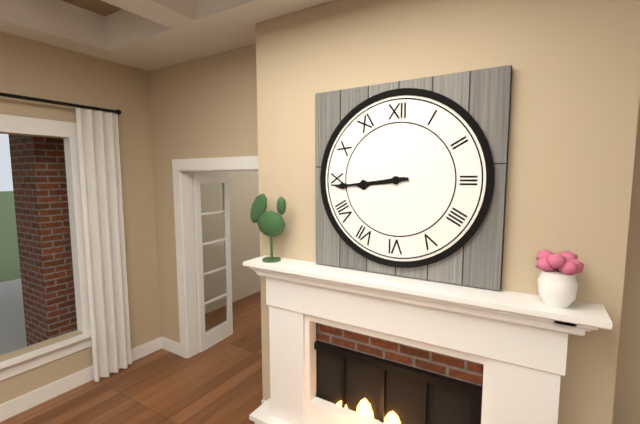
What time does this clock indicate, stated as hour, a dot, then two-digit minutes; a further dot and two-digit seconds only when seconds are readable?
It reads 8.44
